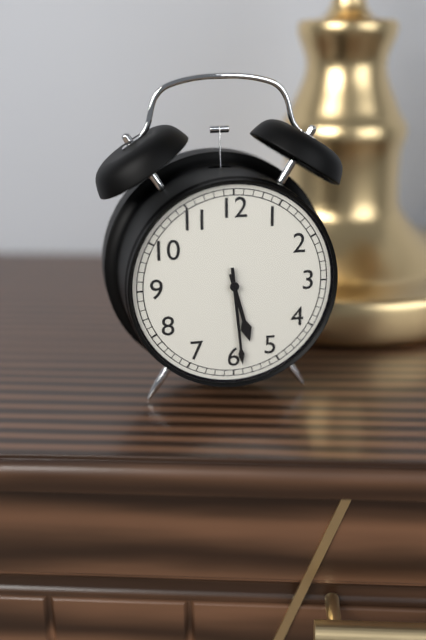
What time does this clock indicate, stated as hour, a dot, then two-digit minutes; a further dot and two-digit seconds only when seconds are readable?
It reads 5.29
